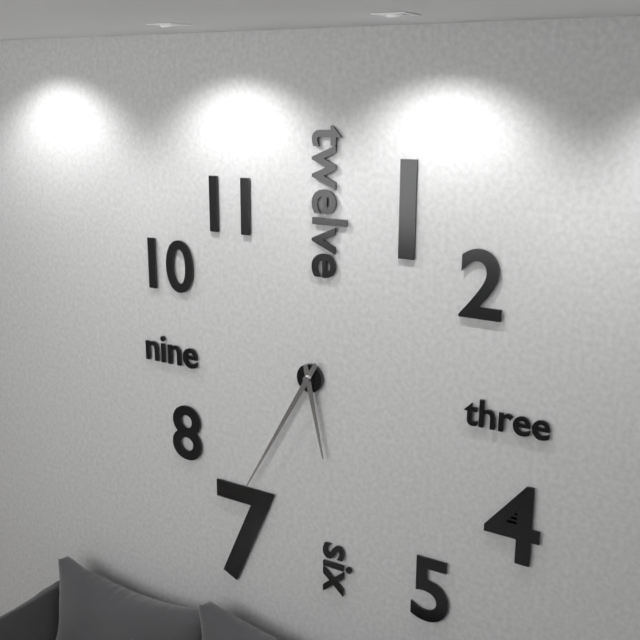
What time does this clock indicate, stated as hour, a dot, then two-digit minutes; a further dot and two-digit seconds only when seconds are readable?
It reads 5.35
